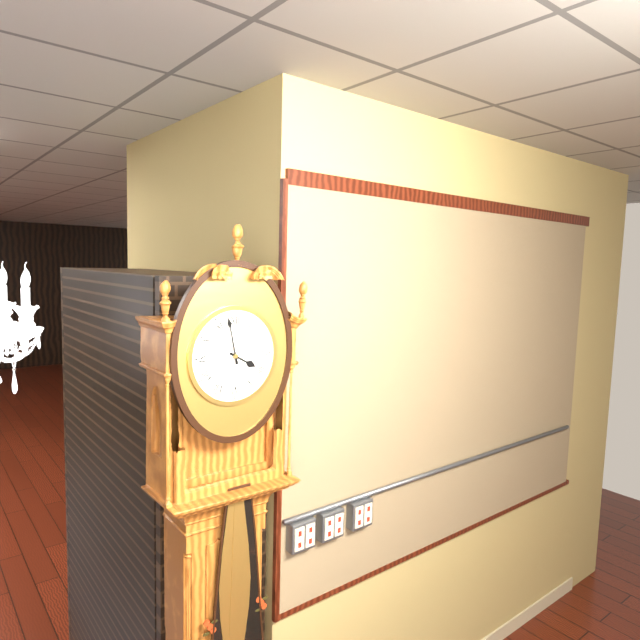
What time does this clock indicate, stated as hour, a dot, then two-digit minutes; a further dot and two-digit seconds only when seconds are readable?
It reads 3.58
